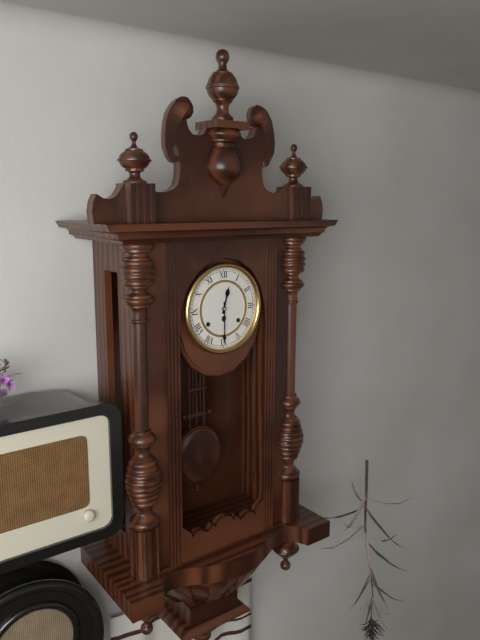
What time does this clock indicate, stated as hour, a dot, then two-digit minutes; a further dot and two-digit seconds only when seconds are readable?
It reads 12.30
